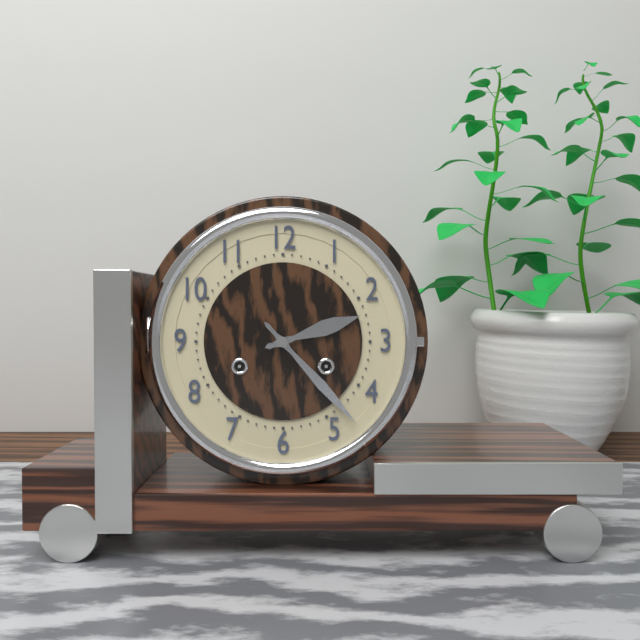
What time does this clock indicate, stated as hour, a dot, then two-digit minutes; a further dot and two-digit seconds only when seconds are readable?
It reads 2.23
